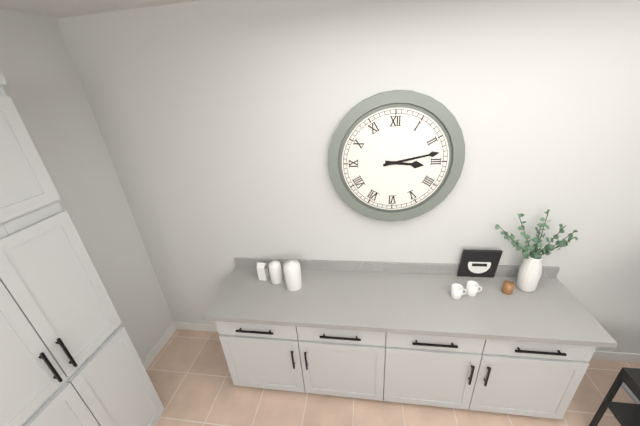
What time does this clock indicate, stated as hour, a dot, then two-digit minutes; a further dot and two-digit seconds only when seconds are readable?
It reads 3.13
